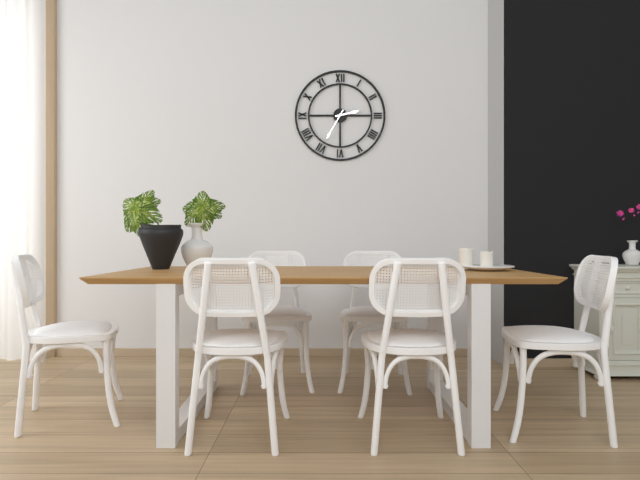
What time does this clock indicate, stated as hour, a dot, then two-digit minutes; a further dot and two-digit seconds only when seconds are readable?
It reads 2.35
